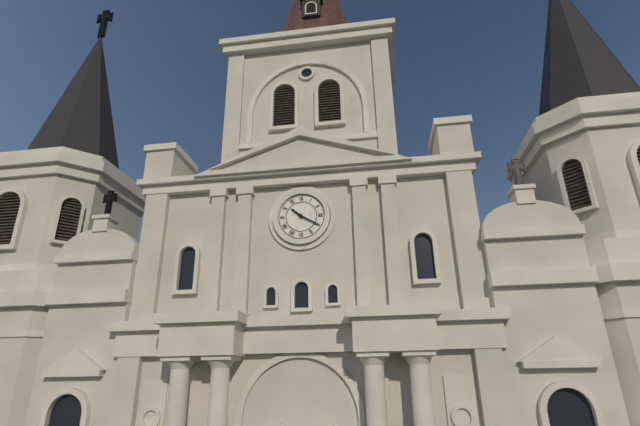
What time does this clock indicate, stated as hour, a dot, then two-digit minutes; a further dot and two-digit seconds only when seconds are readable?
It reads 10.20
